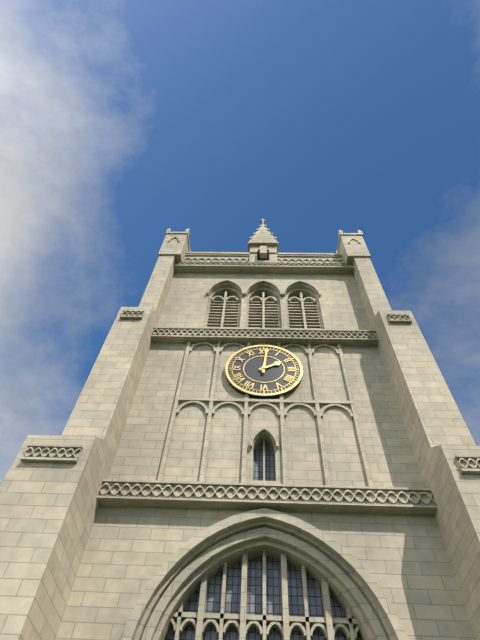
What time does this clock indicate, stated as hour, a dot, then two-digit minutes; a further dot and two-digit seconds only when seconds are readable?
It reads 2.01
